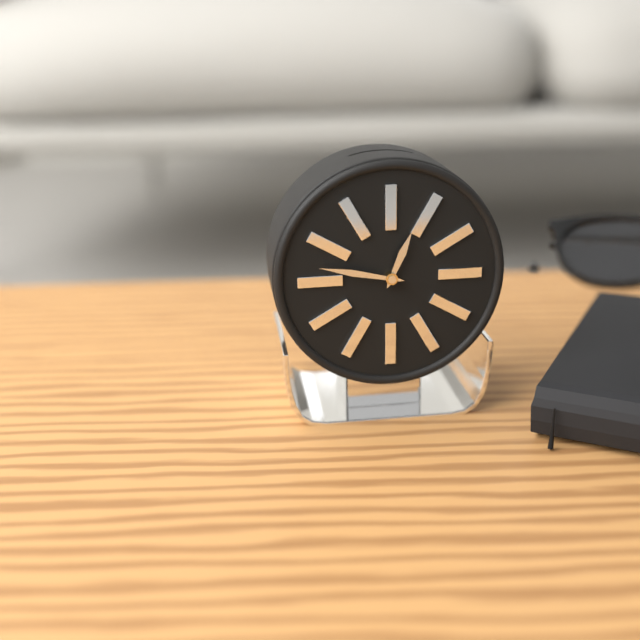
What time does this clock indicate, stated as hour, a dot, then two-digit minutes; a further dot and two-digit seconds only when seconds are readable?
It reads 12.47
